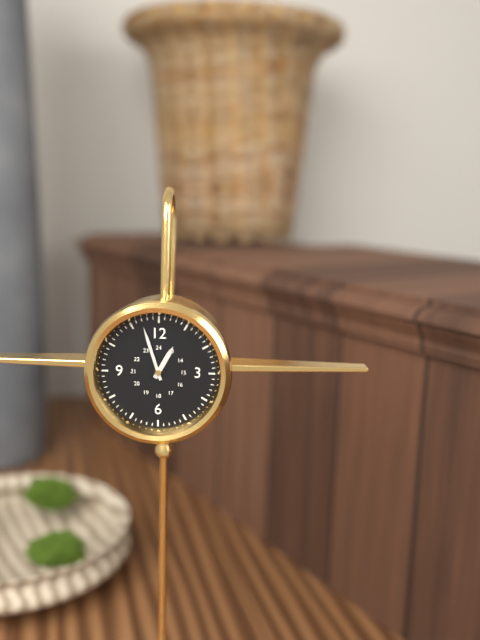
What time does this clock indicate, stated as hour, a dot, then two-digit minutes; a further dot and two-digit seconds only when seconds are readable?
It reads 12.57
